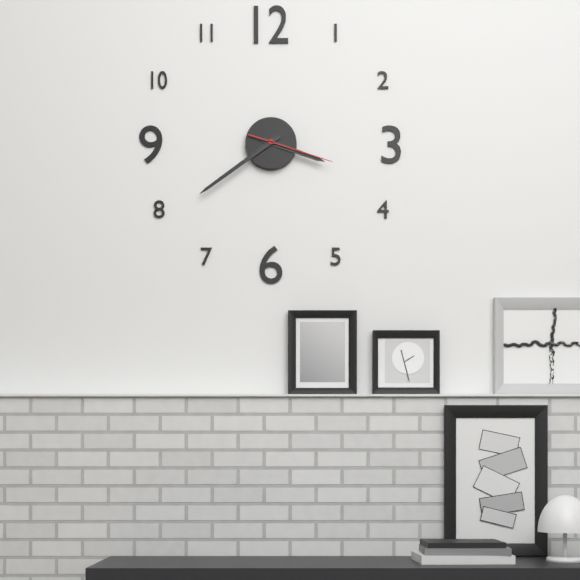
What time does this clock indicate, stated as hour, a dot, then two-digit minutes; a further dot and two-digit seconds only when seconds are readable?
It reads 3.39.18
